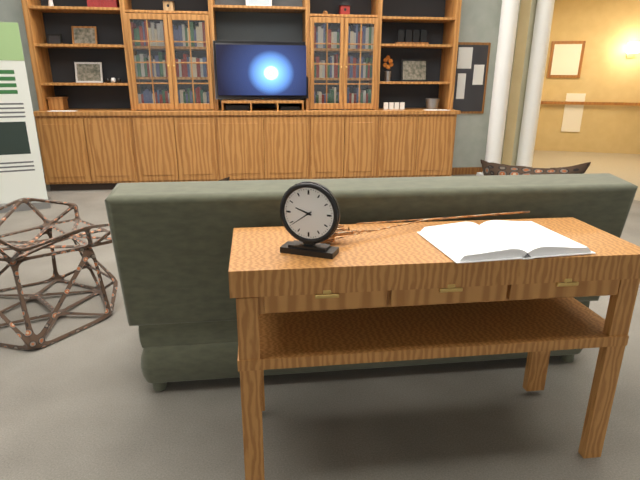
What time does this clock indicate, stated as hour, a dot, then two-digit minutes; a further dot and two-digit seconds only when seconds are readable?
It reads 9.39
